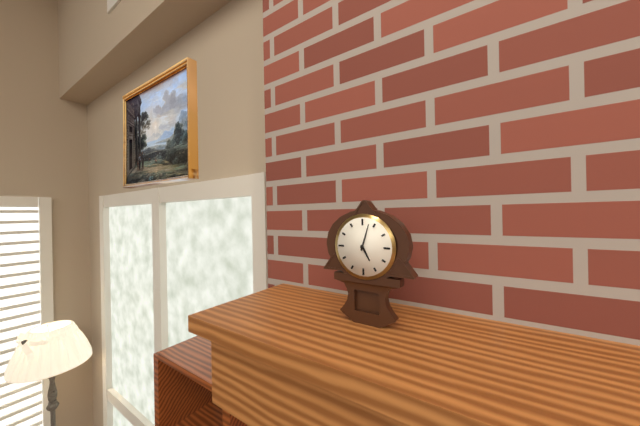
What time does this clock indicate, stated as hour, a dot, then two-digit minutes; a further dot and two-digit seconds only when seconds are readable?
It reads 5.03
